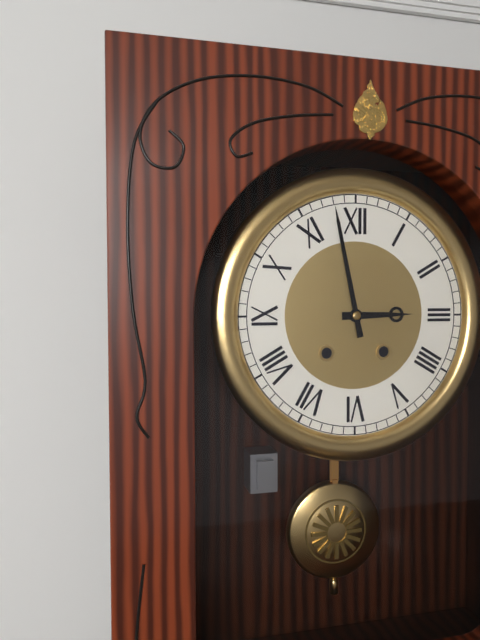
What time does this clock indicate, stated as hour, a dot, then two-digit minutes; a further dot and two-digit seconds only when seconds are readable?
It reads 2.58
